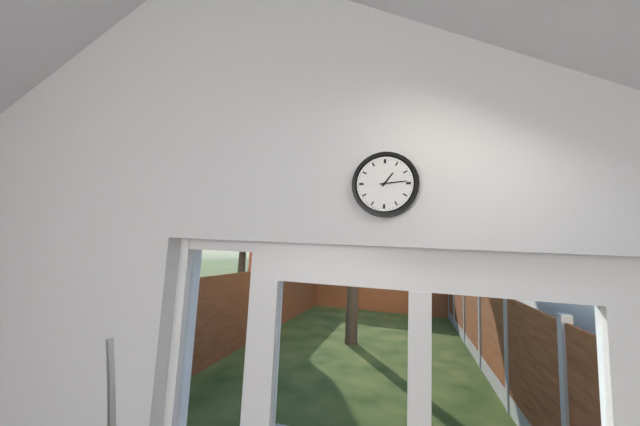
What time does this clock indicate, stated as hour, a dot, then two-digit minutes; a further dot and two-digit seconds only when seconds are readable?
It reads 1.14
